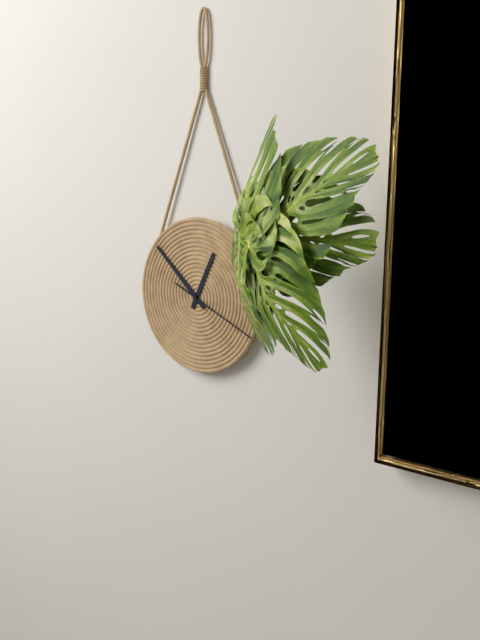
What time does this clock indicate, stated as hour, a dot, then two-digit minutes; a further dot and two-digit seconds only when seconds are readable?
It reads 12.52.19
